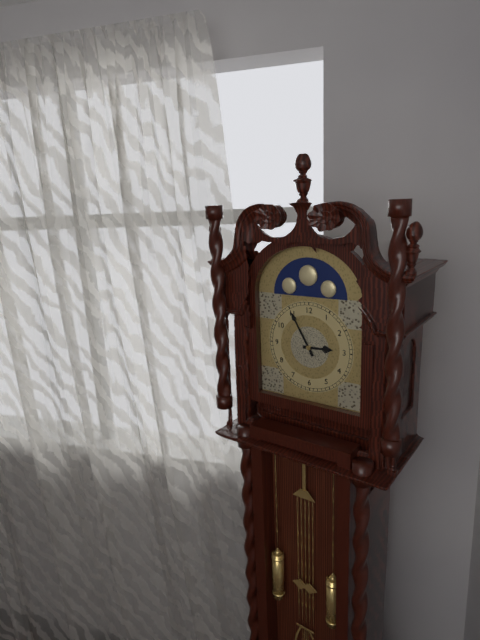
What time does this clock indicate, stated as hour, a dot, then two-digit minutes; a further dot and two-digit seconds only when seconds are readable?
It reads 2.55
